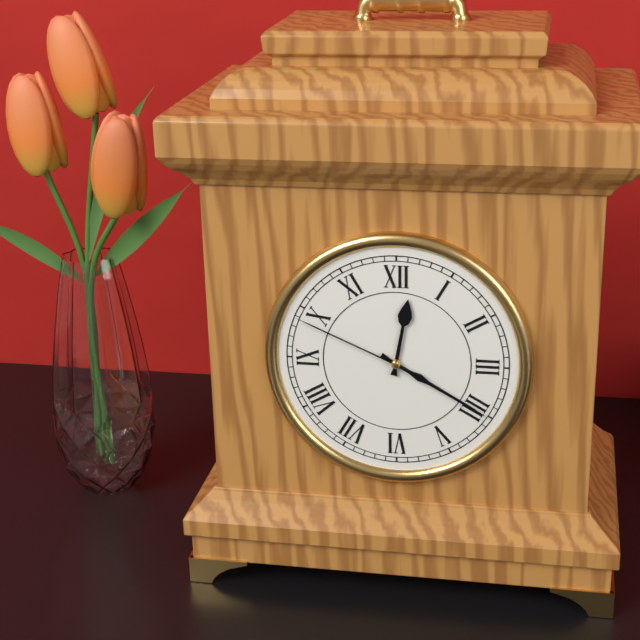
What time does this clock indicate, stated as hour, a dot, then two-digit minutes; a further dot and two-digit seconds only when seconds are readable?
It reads 12.20.49
